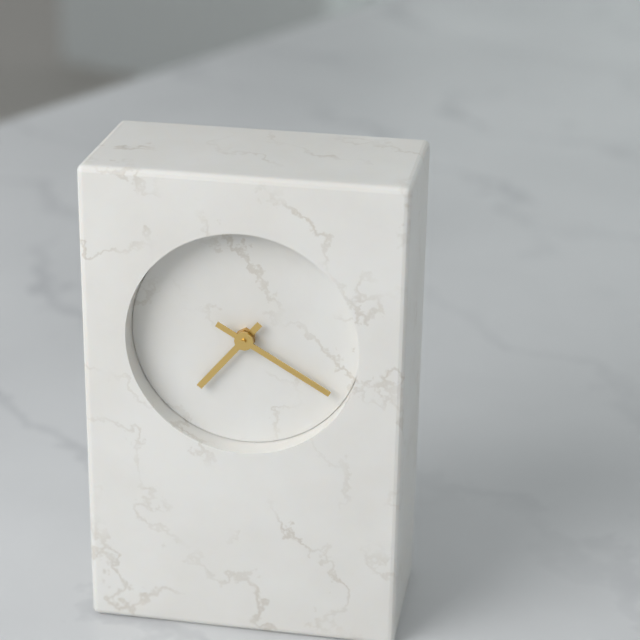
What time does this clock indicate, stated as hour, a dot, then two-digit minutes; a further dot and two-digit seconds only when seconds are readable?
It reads 7.20
